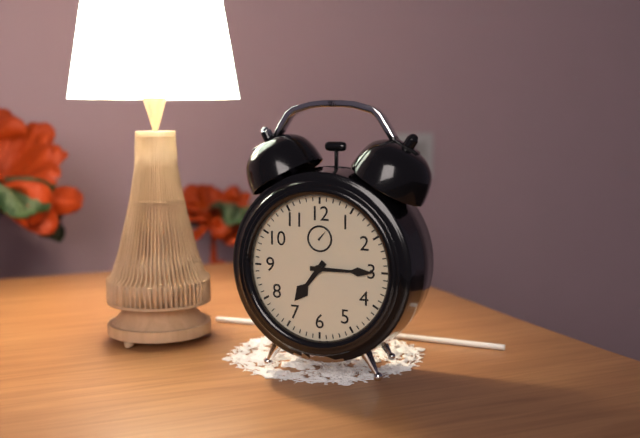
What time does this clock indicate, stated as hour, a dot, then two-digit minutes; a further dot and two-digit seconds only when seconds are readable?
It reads 7.15
